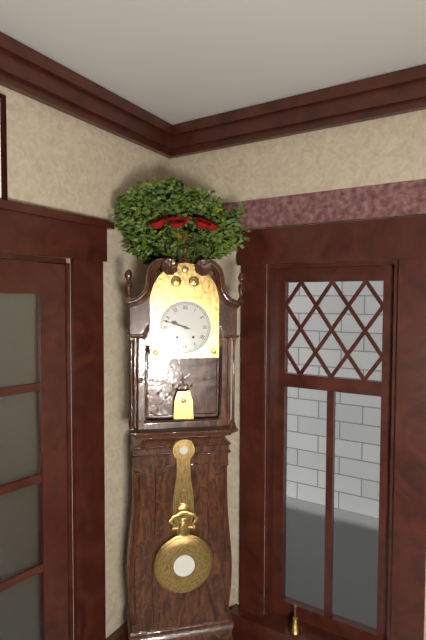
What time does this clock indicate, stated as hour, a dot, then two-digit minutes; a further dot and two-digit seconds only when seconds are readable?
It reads 9.48
